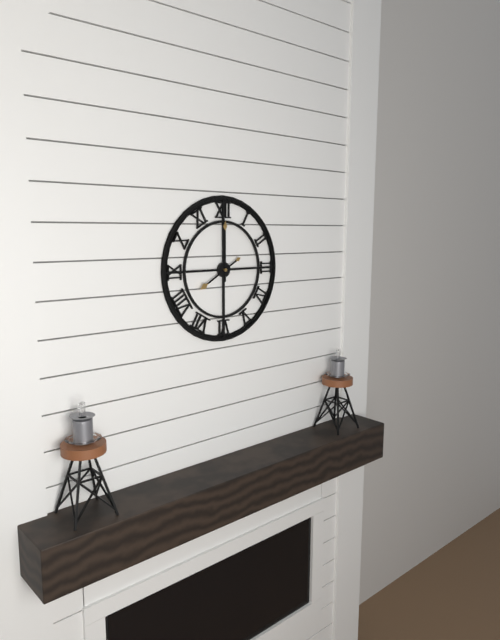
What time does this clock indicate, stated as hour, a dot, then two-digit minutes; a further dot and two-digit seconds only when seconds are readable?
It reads 8.00
